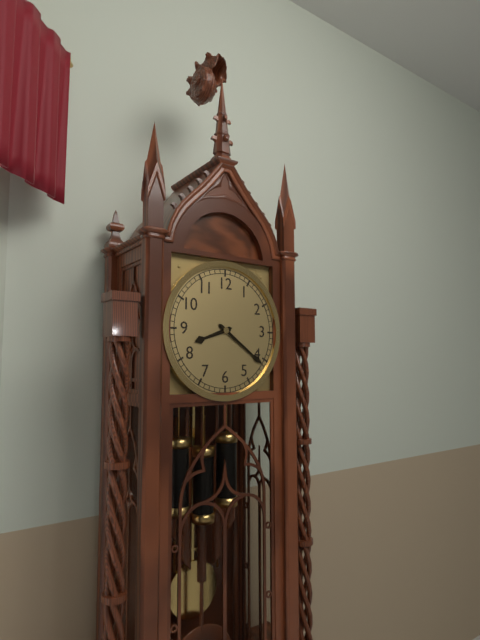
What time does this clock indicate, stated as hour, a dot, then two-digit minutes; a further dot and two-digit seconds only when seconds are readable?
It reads 8.21
